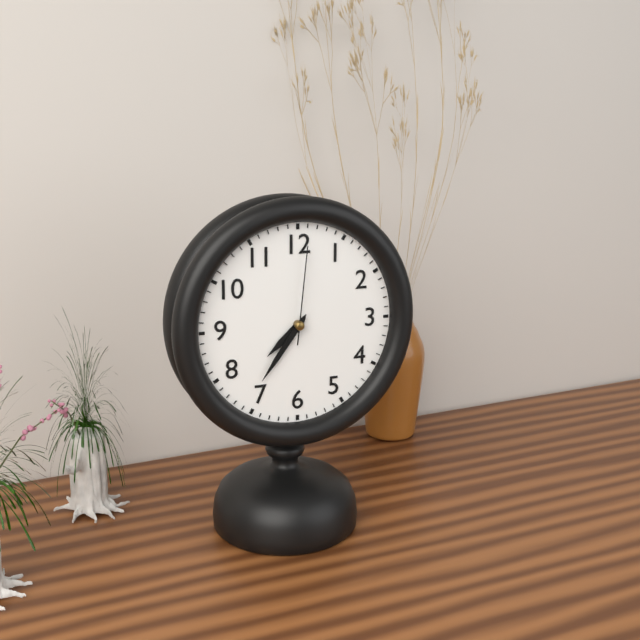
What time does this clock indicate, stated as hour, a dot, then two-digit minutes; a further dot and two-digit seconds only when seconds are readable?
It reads 7.36.01
